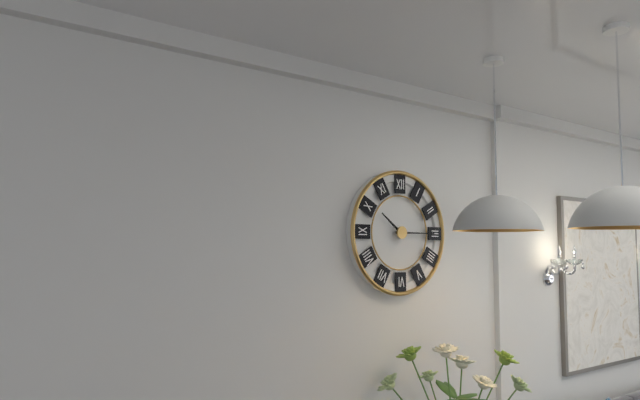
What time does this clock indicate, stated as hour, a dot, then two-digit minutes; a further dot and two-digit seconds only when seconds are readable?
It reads 10.15
